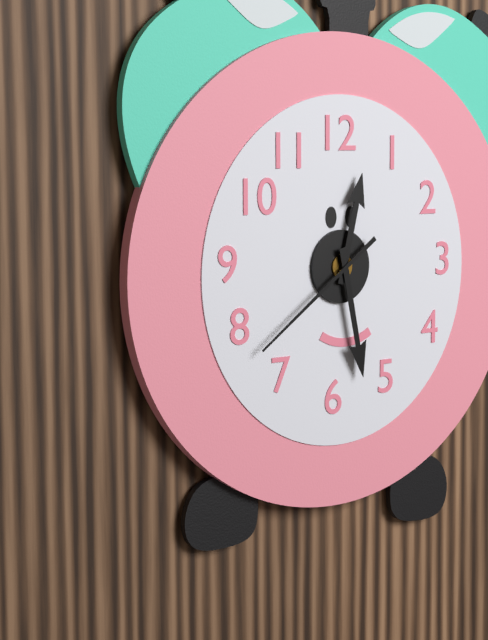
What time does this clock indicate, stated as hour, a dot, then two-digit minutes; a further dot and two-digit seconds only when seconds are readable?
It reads 12.28.39
